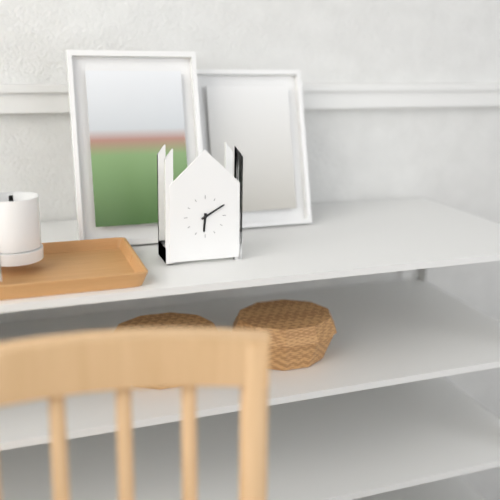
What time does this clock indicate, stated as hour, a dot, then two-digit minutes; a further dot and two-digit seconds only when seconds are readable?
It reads 6.10
